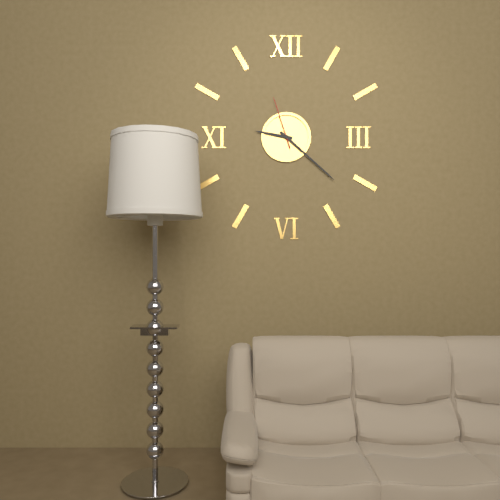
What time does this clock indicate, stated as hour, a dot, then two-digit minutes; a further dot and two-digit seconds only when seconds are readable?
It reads 9.22.57
